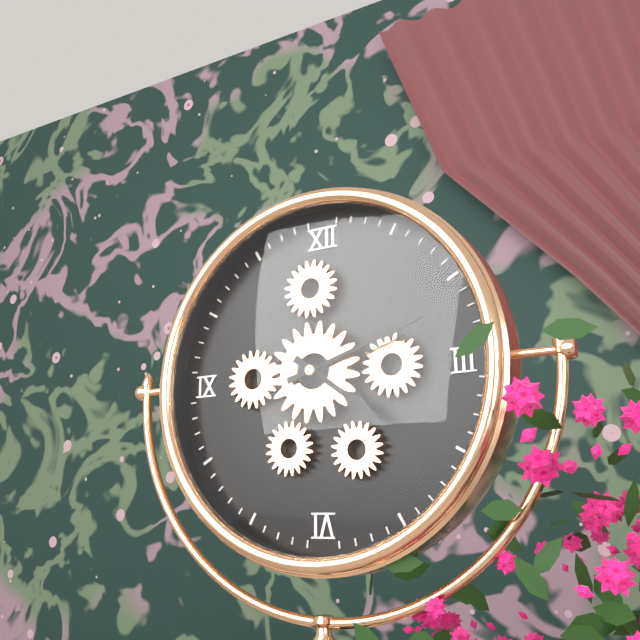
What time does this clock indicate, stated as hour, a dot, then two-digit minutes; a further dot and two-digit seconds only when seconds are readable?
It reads 4.12
